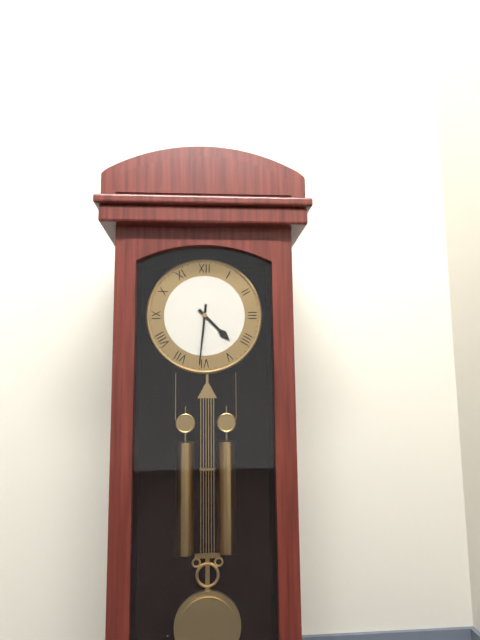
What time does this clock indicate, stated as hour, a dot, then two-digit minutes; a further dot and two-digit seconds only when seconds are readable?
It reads 4.31
